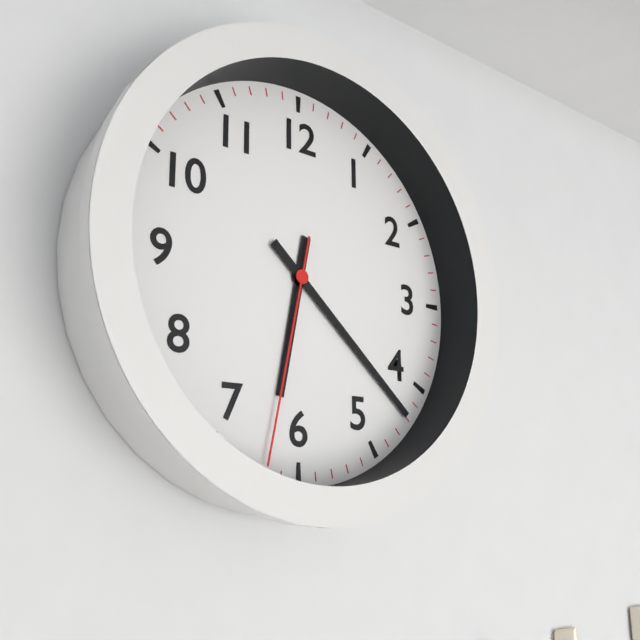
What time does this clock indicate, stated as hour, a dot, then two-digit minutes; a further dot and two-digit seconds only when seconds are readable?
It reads 6.22.32
